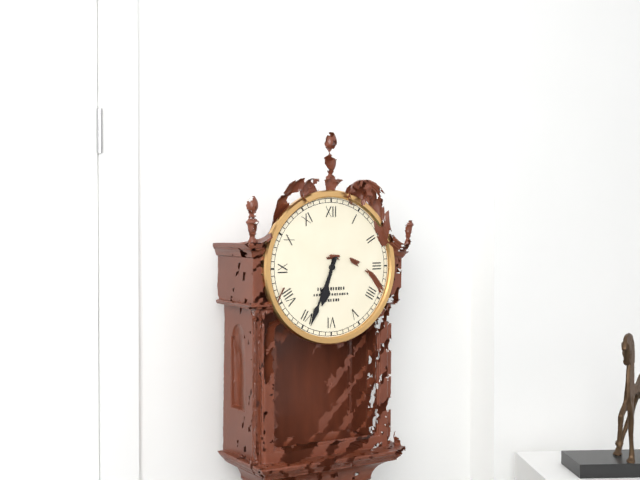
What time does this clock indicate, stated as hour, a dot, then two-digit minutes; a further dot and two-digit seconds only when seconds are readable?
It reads 6.34
